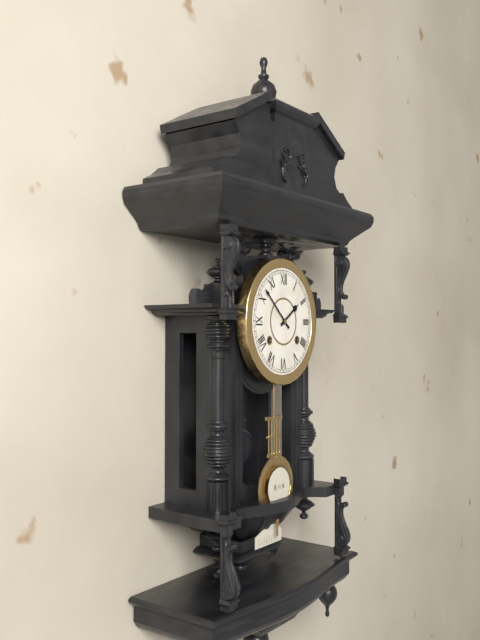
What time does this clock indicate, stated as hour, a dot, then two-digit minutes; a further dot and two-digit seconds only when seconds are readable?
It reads 1.52
